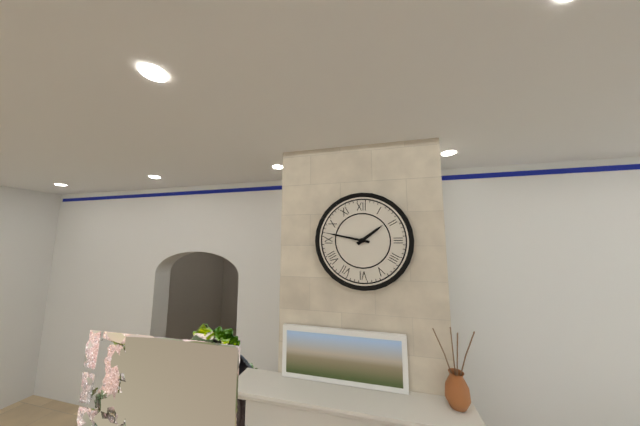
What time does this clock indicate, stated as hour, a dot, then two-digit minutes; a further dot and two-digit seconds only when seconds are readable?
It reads 1.47
